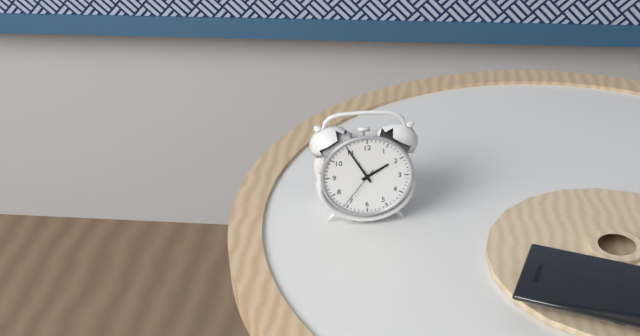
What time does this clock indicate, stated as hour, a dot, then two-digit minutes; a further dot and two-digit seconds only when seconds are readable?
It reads 1.55
